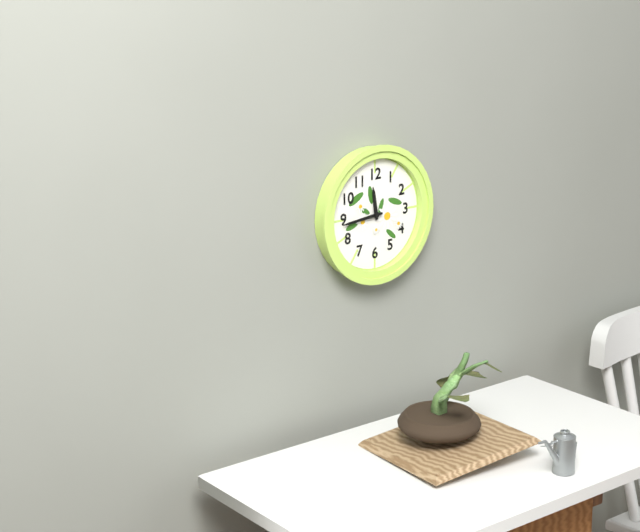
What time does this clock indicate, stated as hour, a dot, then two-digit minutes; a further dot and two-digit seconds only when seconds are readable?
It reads 11.44
